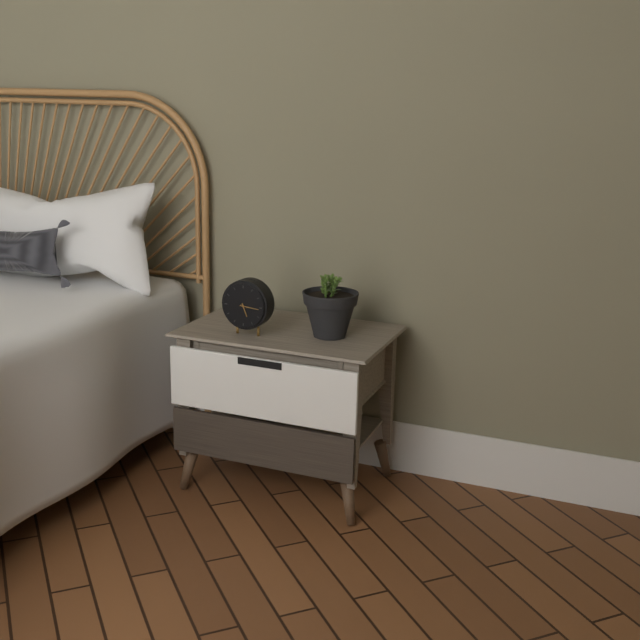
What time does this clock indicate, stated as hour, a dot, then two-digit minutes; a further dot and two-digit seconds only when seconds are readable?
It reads 5.16
